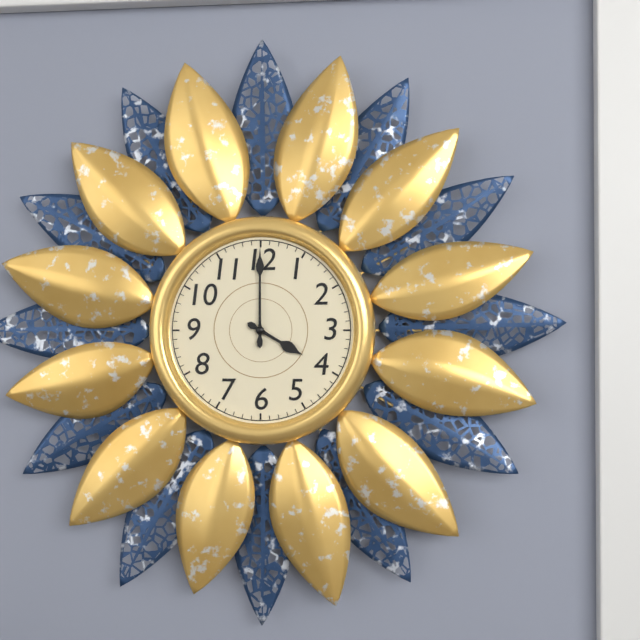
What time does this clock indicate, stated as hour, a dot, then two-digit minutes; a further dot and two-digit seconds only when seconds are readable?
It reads 4.00
